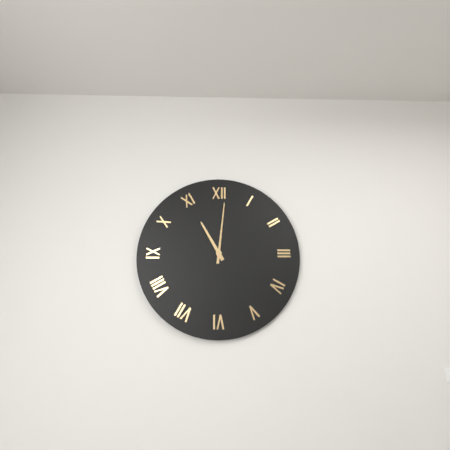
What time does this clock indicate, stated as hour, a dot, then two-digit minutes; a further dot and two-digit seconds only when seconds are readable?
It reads 11.01
